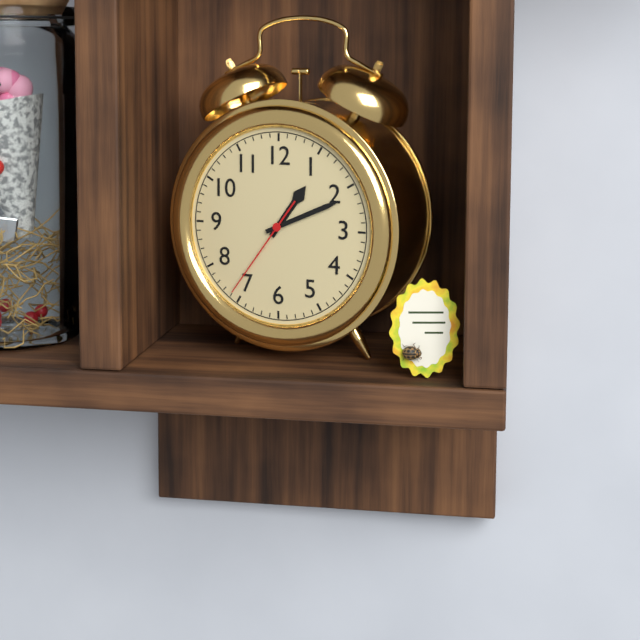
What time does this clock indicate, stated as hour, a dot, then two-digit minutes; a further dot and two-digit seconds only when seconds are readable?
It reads 1.11.36
